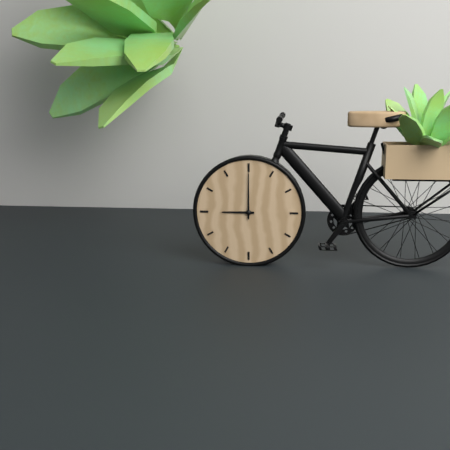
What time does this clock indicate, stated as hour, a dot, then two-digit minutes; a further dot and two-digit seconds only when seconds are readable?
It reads 9.00
